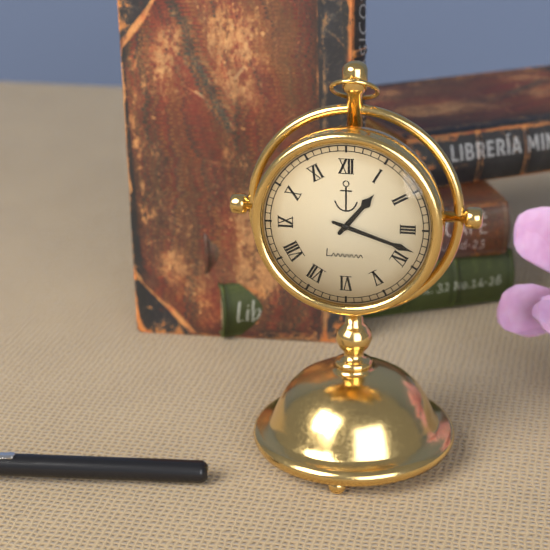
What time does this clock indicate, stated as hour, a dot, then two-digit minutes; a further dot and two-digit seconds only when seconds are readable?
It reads 1.18
